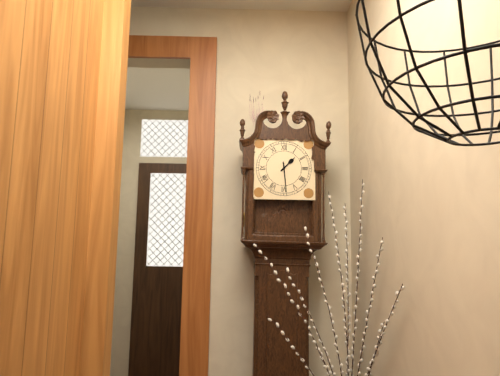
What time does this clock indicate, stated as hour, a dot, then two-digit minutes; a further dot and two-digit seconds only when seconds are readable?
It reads 1.29
